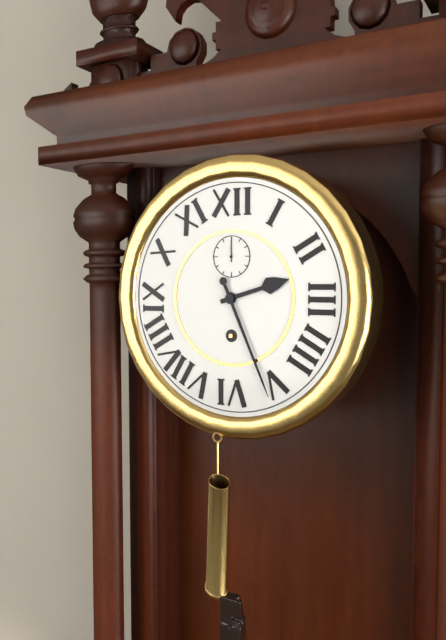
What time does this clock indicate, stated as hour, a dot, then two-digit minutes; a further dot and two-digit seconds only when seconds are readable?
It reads 2.26
